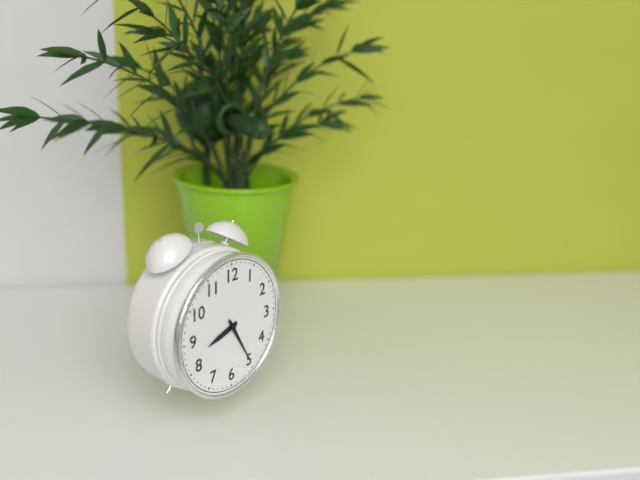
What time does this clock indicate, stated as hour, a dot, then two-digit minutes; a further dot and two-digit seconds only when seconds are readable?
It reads 8.25
